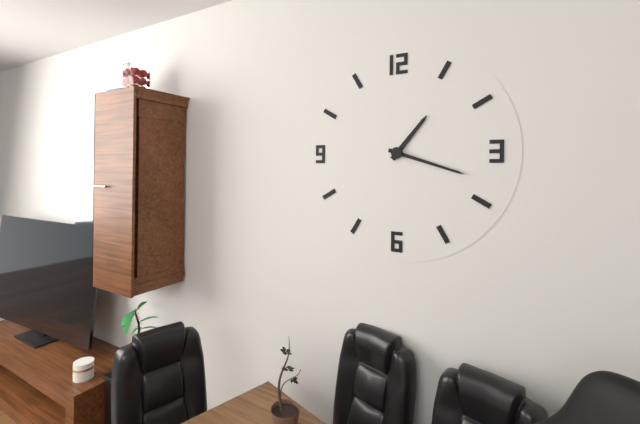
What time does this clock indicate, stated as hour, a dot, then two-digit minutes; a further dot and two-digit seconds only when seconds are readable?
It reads 1.18
